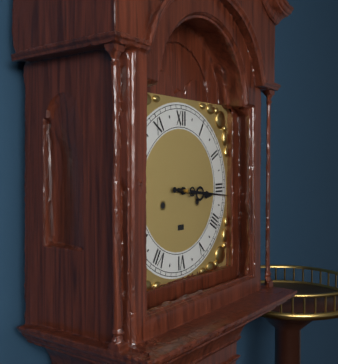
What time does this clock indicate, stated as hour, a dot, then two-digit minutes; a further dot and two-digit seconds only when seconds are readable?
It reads 3.16
